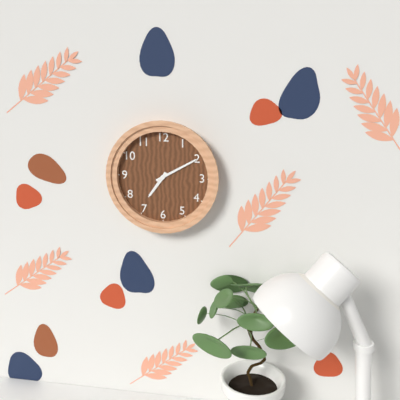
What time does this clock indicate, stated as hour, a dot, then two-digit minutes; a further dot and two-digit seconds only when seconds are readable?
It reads 7.10
